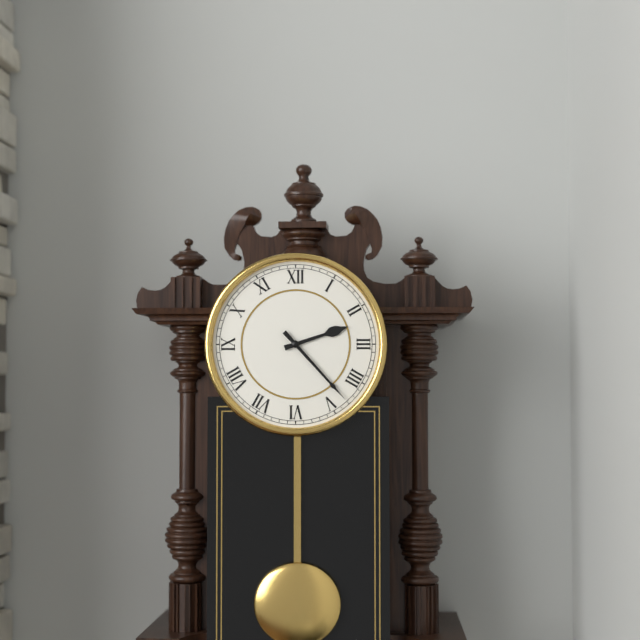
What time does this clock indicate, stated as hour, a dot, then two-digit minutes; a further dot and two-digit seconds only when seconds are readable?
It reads 2.23
